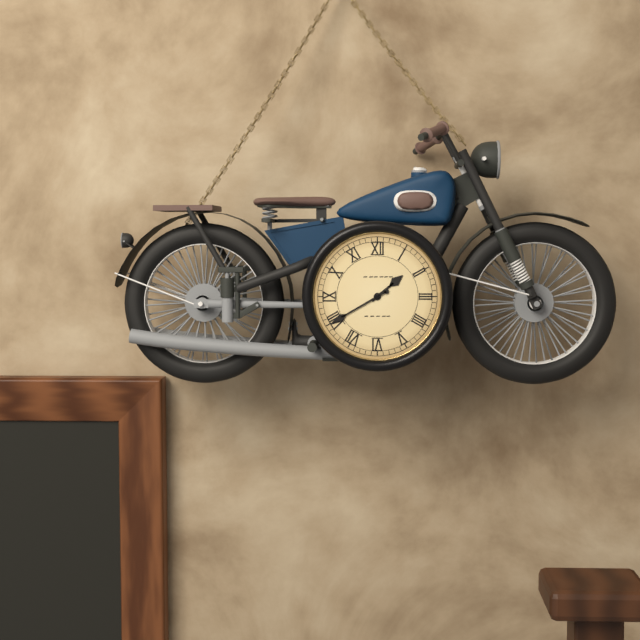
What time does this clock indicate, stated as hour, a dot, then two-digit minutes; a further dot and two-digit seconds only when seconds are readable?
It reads 1.40
